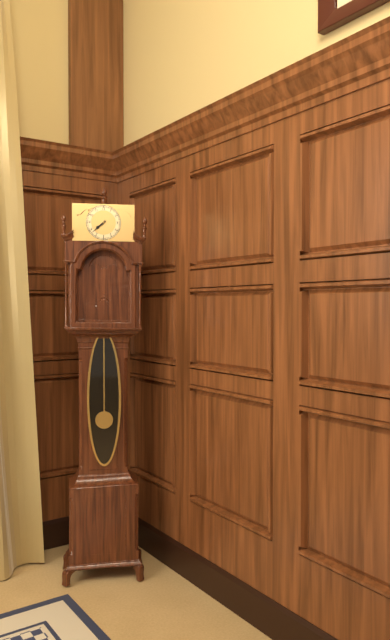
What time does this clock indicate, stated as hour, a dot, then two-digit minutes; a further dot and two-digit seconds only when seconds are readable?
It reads 7.38
